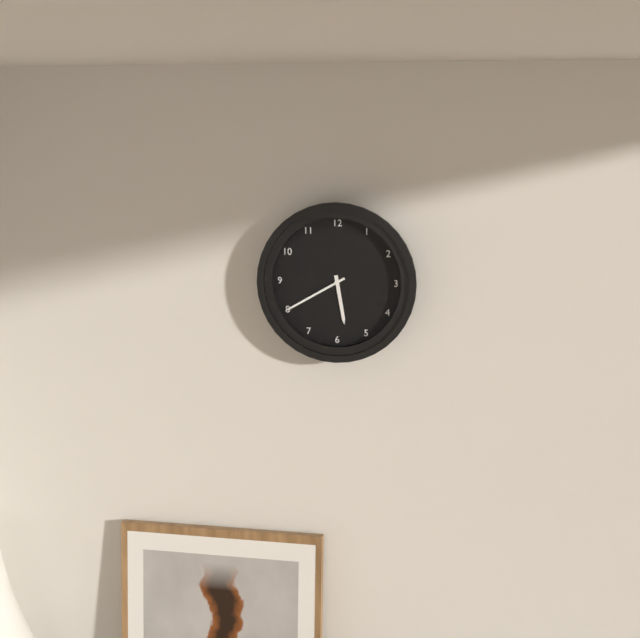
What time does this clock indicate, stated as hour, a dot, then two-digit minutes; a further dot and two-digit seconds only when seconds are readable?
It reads 5.40
